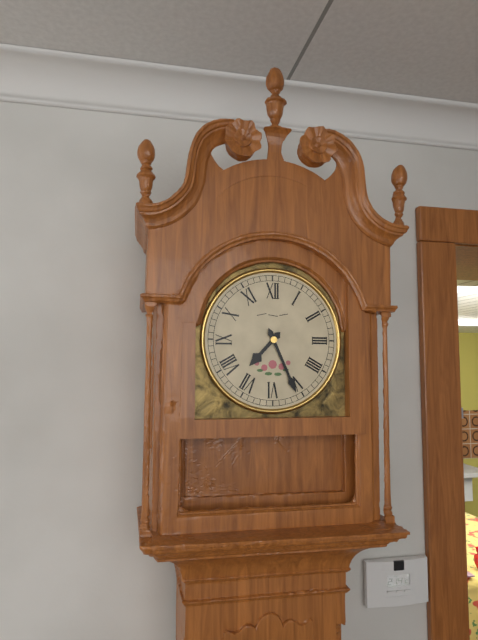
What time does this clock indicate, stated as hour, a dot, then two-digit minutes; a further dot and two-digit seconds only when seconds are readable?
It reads 7.26
